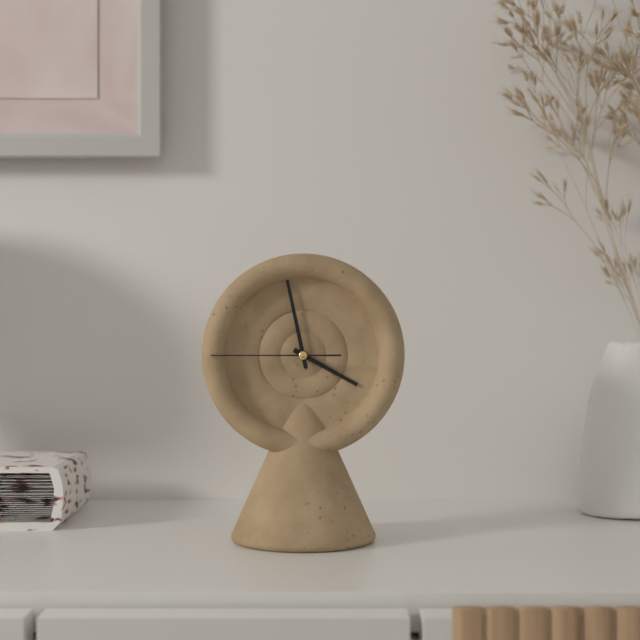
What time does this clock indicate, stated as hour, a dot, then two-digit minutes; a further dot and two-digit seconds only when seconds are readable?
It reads 3.58.45
